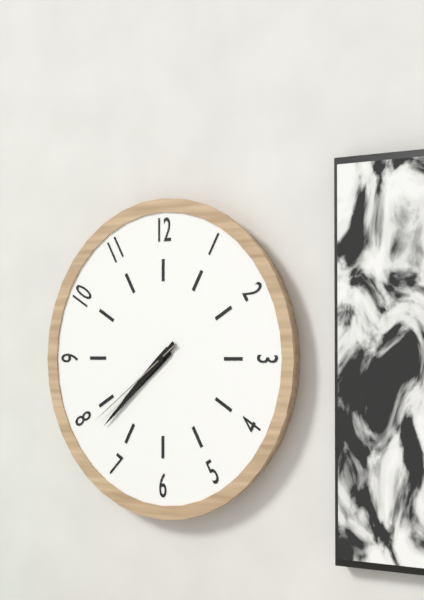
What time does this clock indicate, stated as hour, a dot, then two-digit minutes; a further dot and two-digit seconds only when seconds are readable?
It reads 7.38.39
